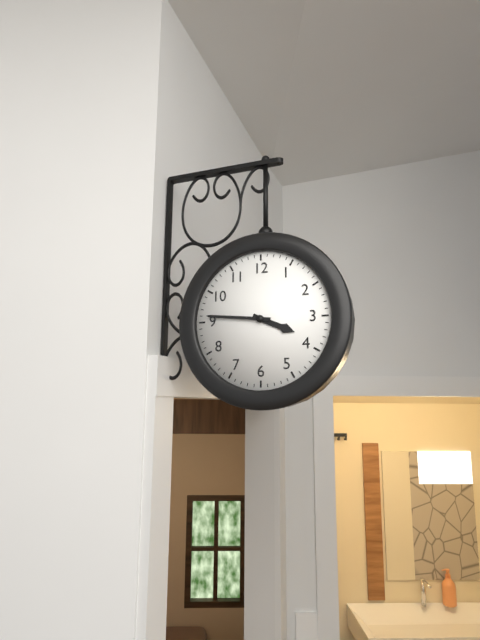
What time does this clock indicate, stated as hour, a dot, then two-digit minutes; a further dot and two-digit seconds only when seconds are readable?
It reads 3.46
